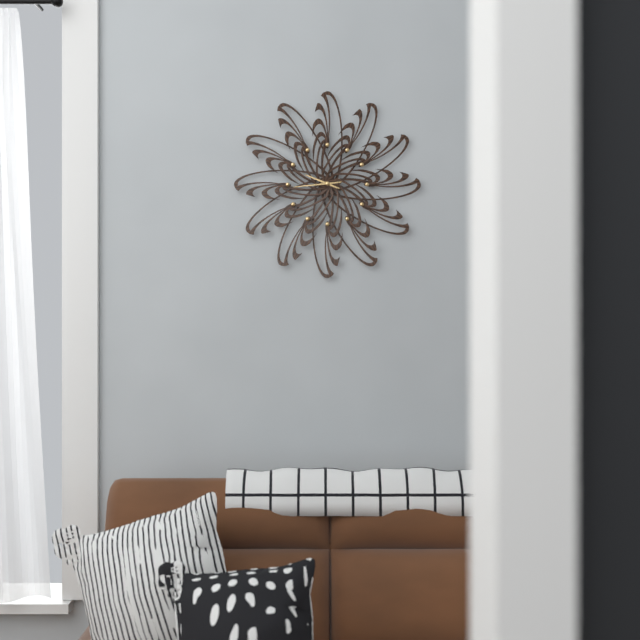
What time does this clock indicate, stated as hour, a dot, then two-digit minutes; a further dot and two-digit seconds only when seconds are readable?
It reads 9.44
